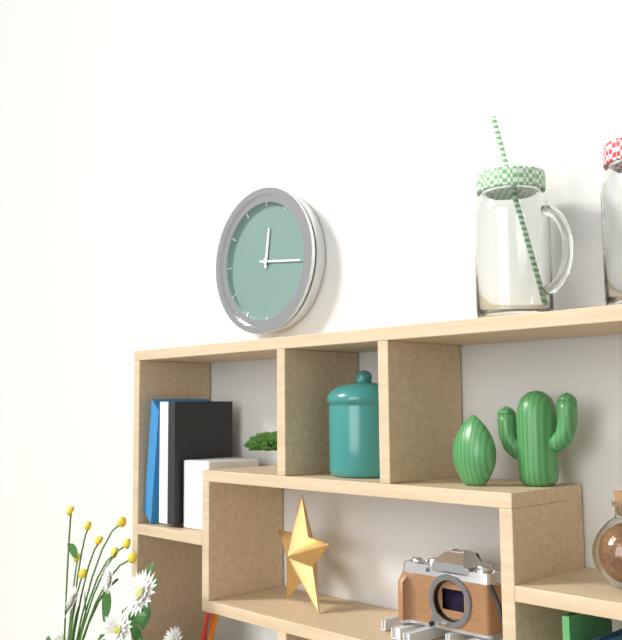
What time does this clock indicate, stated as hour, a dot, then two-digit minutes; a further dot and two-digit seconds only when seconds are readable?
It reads 12.16
